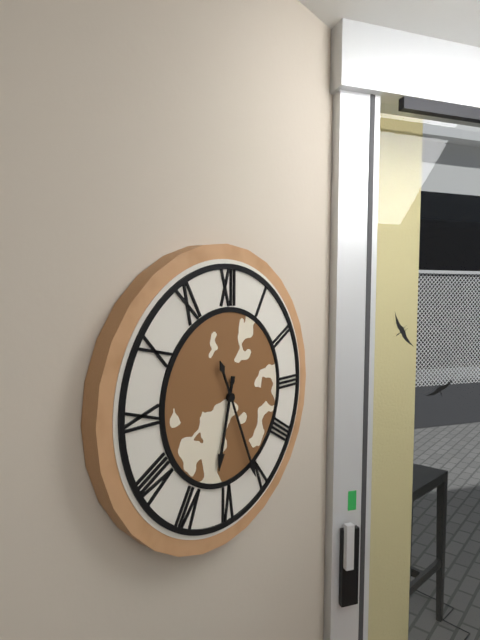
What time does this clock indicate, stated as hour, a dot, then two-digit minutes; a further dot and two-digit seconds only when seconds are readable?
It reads 6.26
